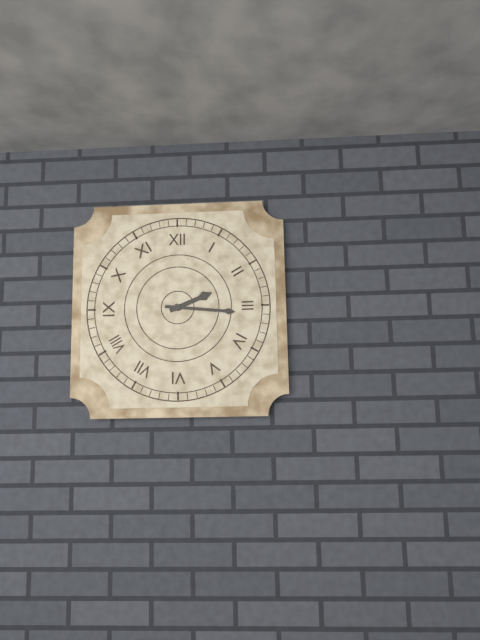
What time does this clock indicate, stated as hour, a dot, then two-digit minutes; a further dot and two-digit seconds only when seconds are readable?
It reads 2.16
